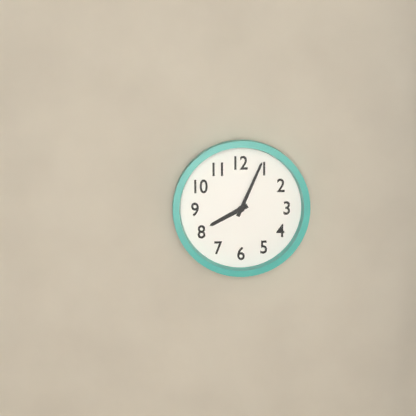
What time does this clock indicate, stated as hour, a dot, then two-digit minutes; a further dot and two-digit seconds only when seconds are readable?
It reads 8.04
